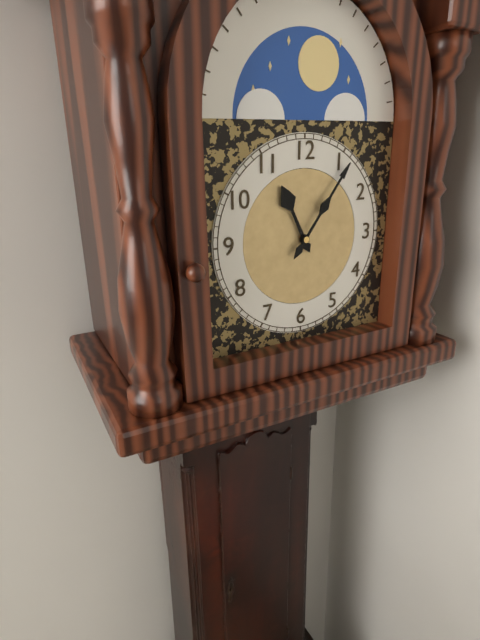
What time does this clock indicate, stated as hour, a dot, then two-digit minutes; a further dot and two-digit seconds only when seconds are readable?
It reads 11.06
